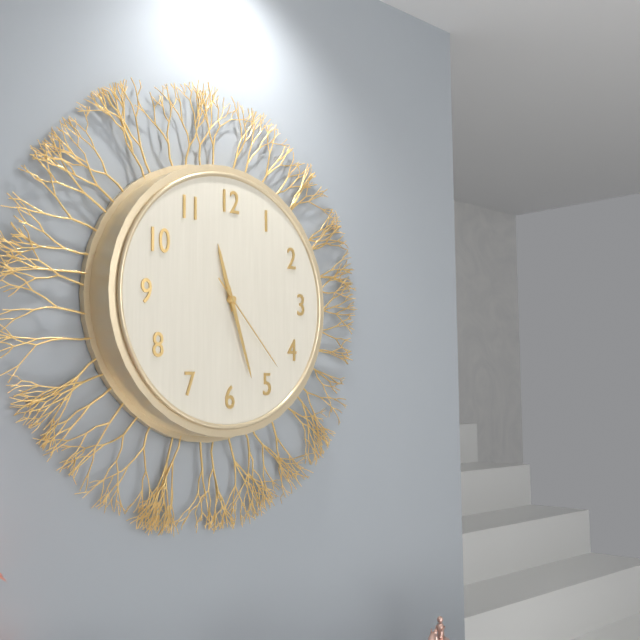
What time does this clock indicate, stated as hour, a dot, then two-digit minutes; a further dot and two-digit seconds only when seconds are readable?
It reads 11.27.23
